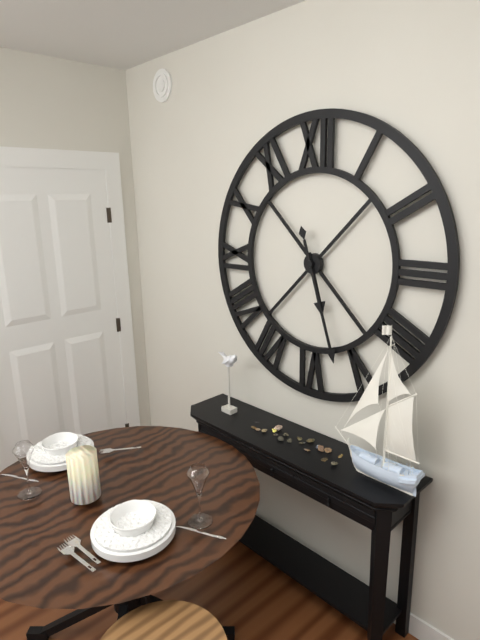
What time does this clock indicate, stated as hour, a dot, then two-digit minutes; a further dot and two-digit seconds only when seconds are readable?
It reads 5.27
